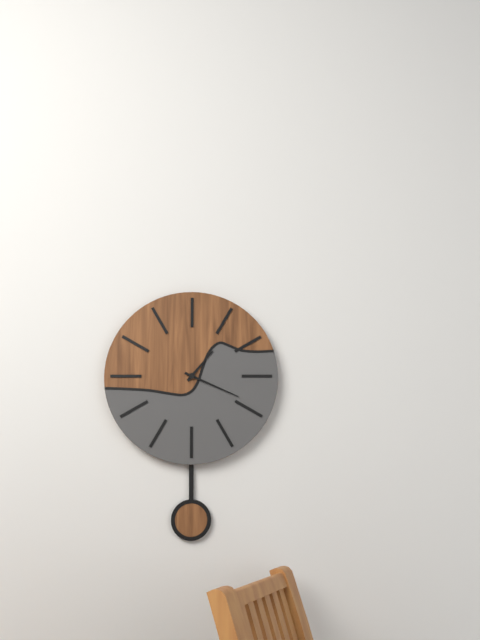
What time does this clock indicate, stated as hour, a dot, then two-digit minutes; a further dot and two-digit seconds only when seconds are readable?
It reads 1.19
